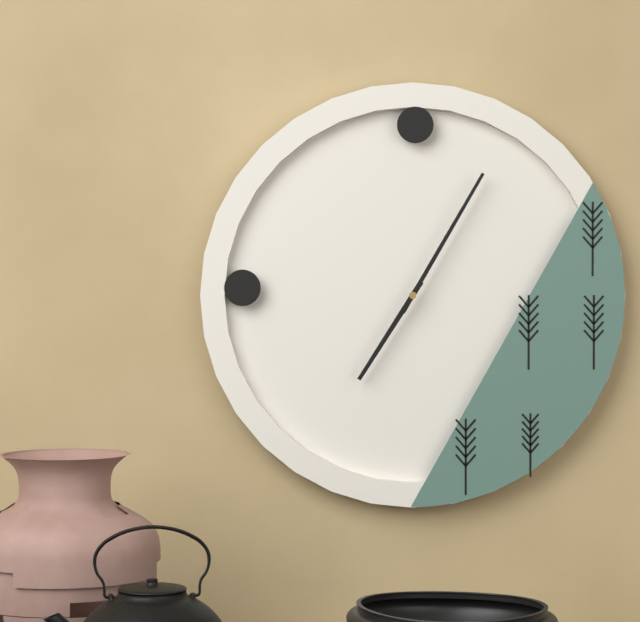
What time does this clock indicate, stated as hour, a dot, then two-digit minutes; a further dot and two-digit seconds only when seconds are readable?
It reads 7.05
